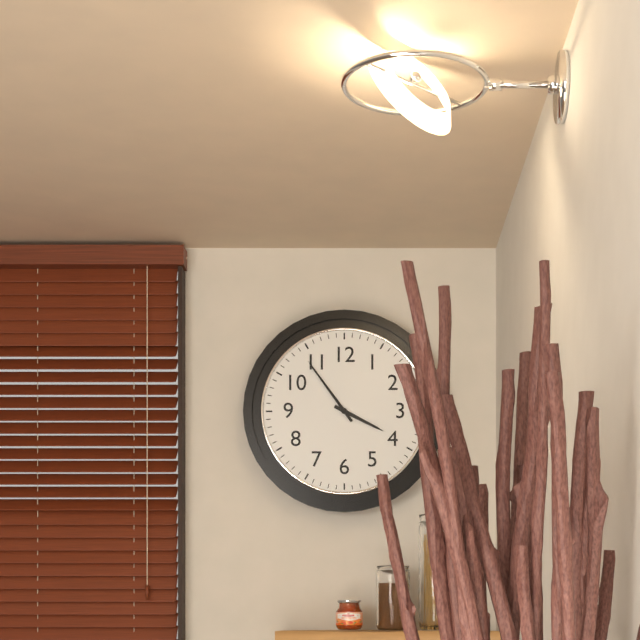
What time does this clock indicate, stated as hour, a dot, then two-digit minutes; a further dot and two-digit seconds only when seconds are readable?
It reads 3.54
